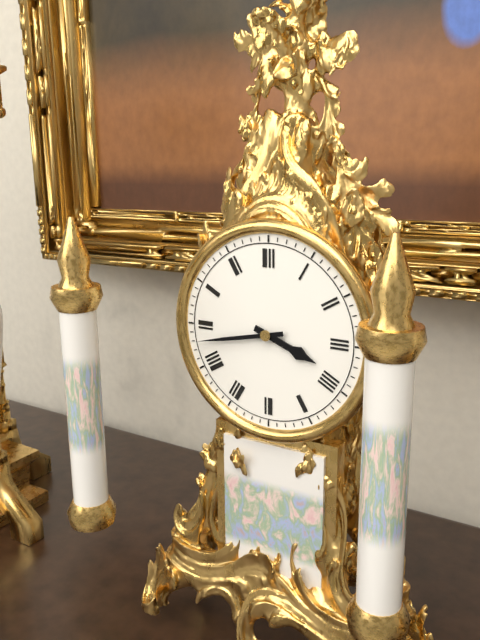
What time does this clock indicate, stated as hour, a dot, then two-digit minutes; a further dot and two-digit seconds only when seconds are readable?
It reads 3.43
